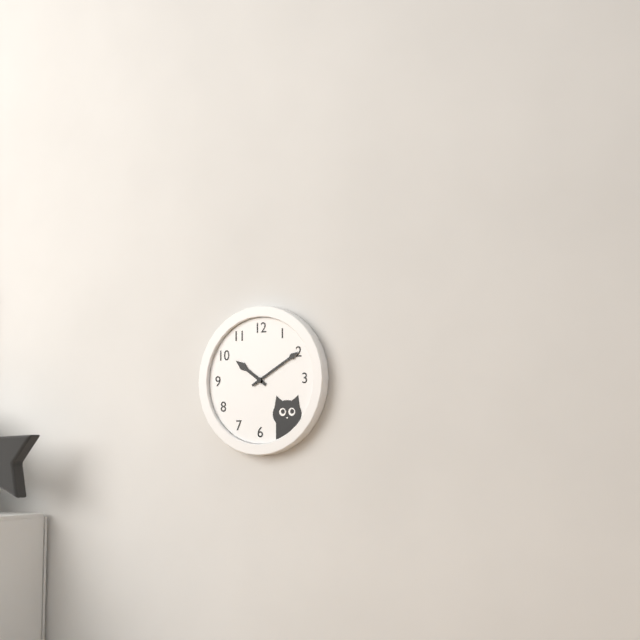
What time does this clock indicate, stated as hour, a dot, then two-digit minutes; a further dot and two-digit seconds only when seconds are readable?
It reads 10.10
